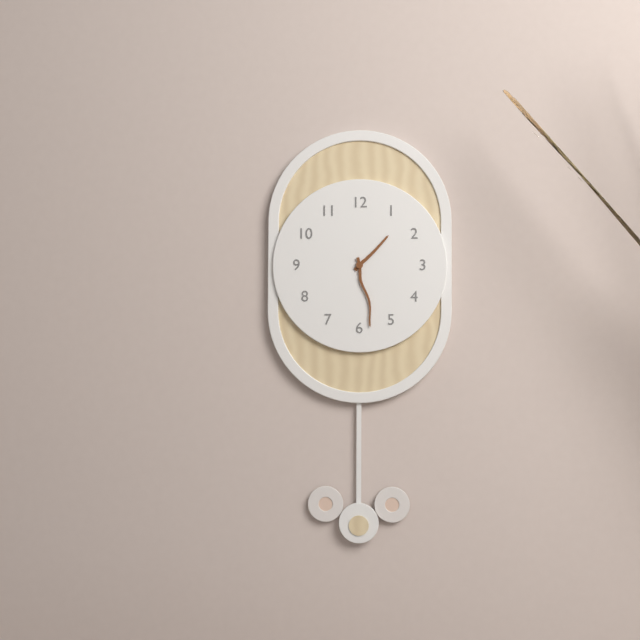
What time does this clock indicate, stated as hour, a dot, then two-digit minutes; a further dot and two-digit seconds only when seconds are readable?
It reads 1.28
